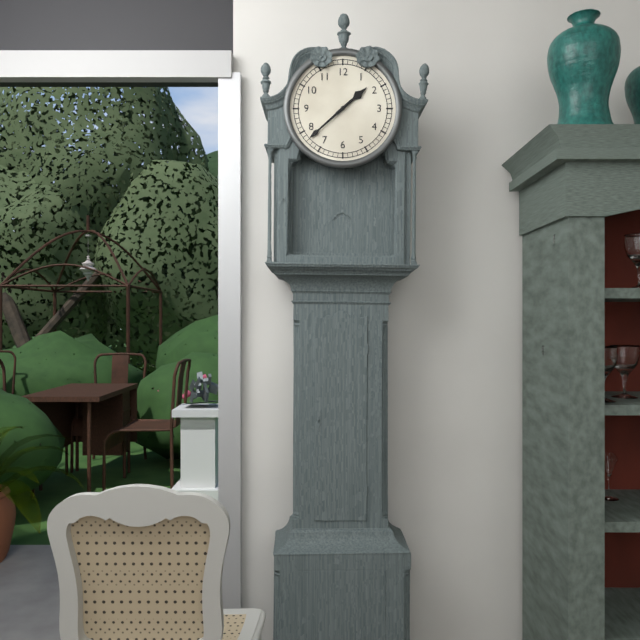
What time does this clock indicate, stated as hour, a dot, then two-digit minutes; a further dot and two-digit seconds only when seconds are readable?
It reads 1.38
